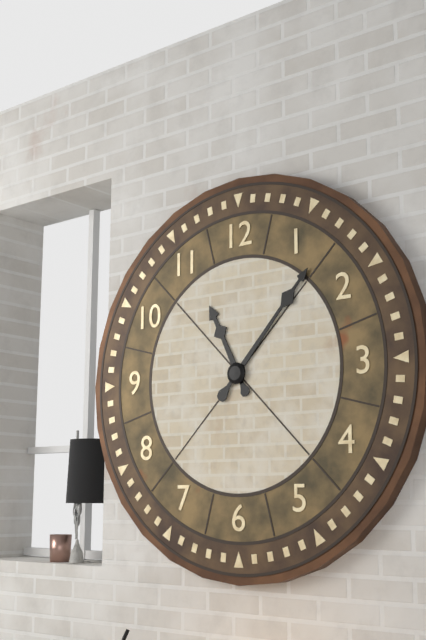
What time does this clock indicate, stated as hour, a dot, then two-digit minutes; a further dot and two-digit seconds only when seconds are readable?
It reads 11.07
